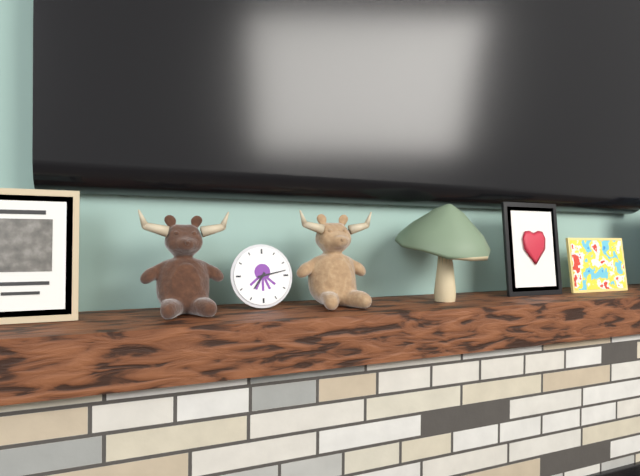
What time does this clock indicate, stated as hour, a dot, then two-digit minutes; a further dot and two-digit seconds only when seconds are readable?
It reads 7.13
